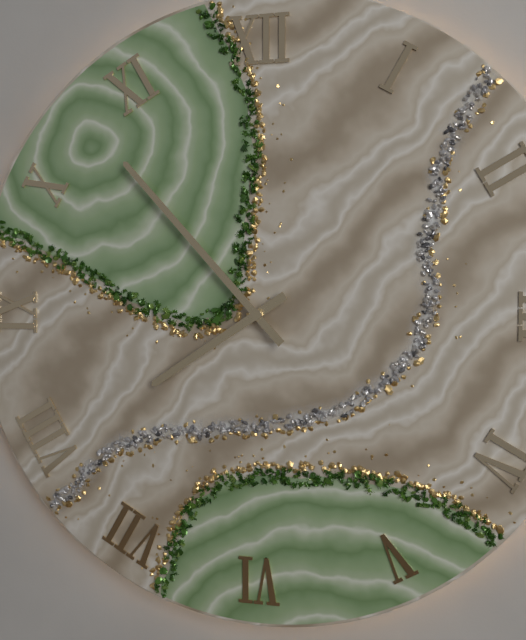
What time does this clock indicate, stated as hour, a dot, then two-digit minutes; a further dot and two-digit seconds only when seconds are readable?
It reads 7.53
